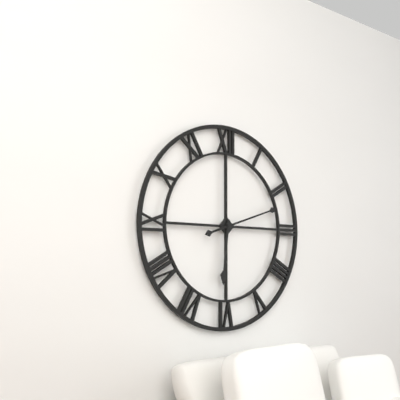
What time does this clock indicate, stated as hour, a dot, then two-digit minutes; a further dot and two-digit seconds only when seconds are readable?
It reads 6.12
